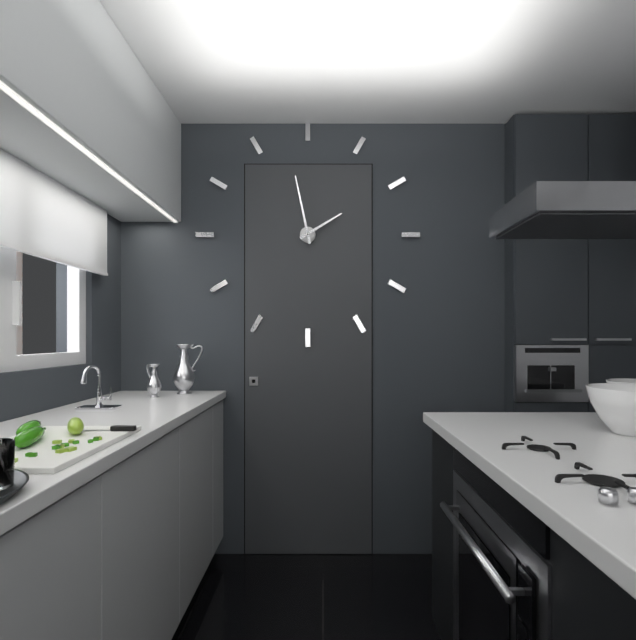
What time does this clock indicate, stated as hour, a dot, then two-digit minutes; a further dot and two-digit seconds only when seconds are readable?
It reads 1.58
